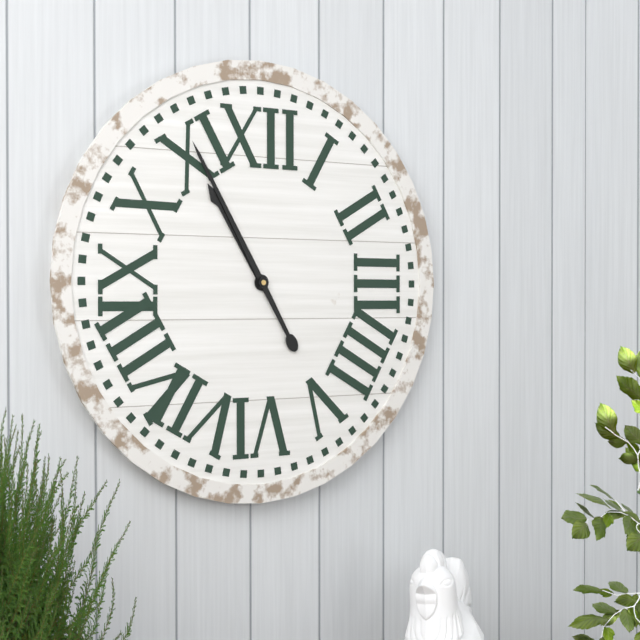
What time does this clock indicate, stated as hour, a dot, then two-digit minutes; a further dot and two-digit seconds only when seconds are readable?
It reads 10.55
